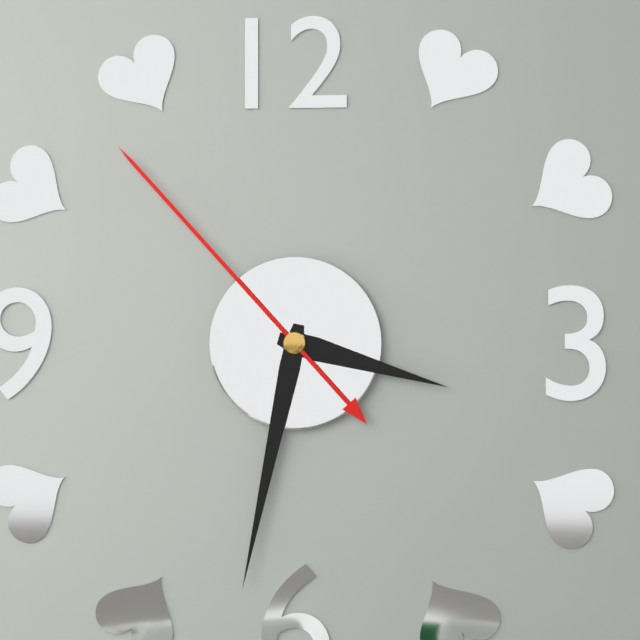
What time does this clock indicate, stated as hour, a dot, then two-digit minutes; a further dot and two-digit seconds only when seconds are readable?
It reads 3.32.53
